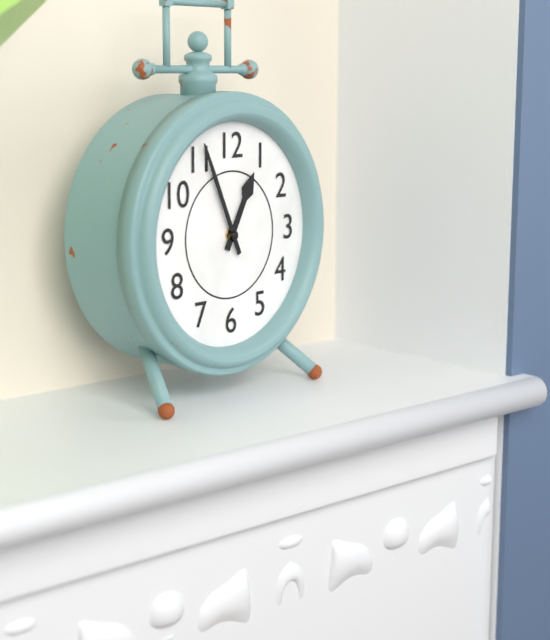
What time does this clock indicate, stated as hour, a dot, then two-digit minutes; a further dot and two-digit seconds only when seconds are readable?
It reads 12.56
